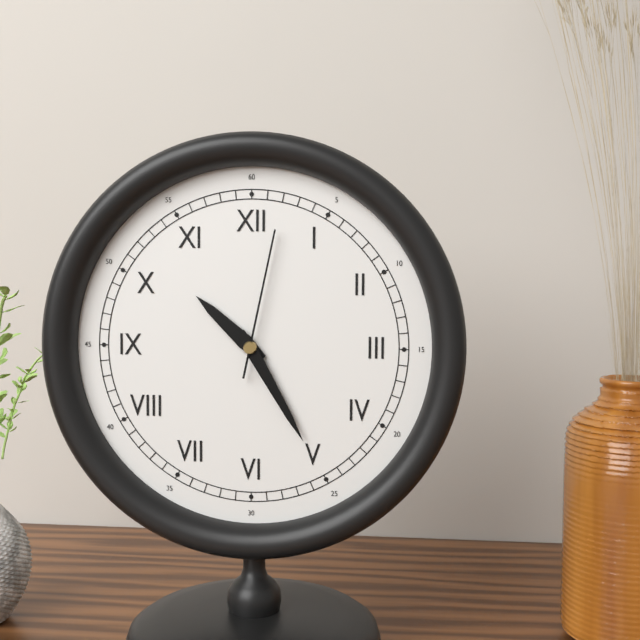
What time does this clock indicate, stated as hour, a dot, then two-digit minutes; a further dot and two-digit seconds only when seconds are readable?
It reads 10.25.02
